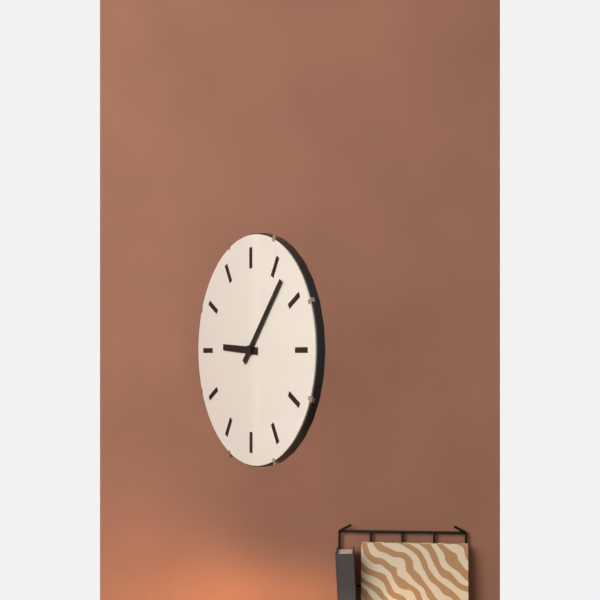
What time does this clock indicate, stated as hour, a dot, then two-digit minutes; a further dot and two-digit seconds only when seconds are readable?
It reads 9.07
